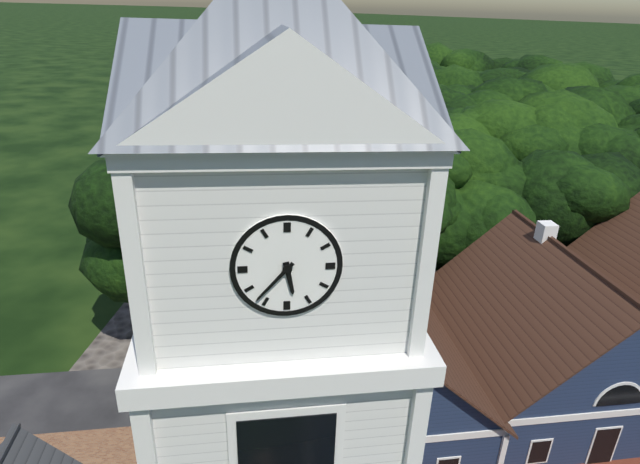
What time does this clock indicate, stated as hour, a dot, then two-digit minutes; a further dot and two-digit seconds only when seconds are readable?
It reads 5.37
